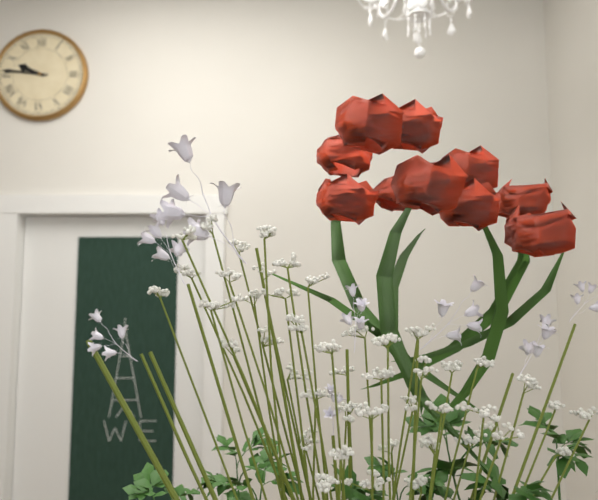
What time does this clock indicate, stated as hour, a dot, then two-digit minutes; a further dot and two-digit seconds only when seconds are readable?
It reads 9.46
